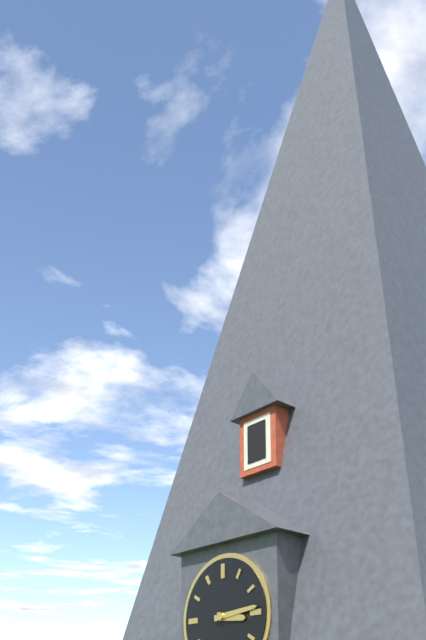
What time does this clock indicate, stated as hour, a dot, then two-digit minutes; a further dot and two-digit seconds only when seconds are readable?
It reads 3.14
